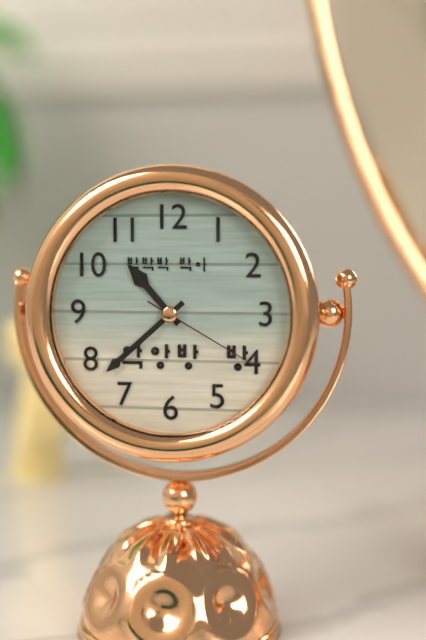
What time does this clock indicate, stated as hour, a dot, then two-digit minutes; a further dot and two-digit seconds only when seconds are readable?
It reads 10.38.20
